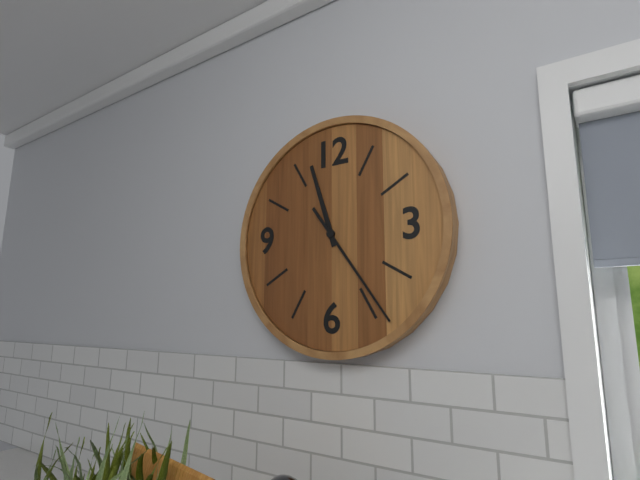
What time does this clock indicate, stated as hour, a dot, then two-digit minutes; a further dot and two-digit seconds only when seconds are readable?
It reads 11.24
